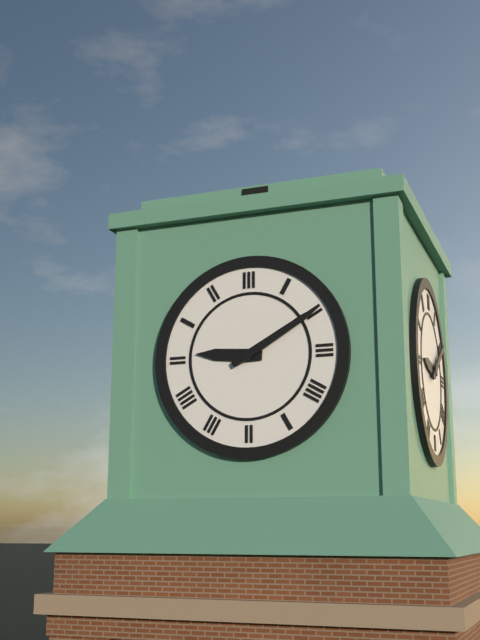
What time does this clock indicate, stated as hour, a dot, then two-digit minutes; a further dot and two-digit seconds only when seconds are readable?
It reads 9.10
